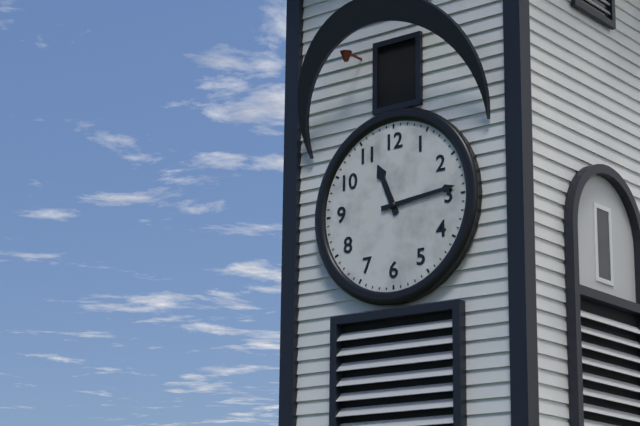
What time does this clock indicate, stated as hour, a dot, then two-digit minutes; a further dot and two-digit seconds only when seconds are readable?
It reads 11.14
